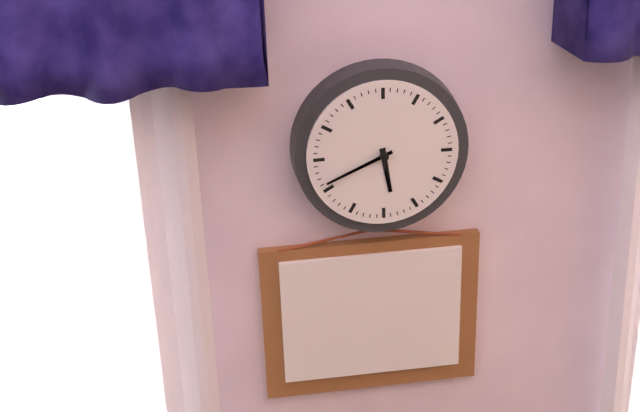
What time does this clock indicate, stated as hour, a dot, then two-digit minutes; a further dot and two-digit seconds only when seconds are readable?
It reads 5.41
